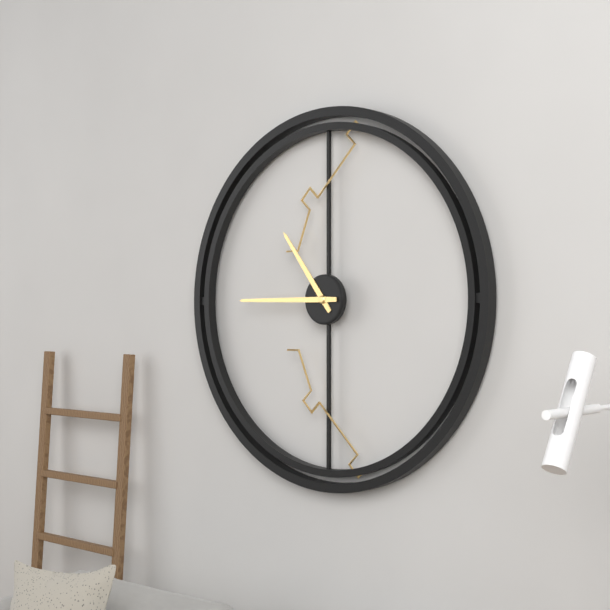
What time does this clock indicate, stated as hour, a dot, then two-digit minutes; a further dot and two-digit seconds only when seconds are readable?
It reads 10.45
